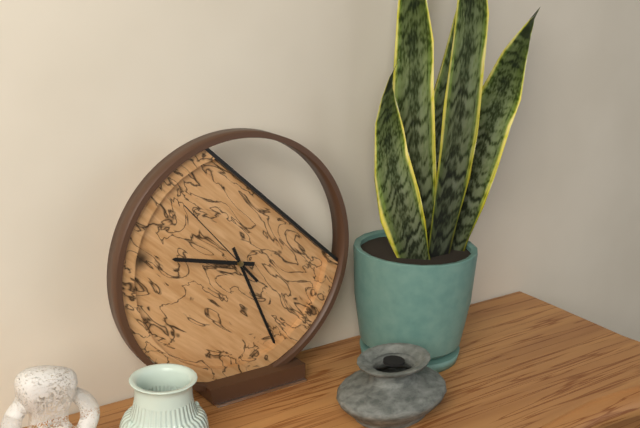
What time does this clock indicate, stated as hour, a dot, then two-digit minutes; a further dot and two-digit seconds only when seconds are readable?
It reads 9.26.53
